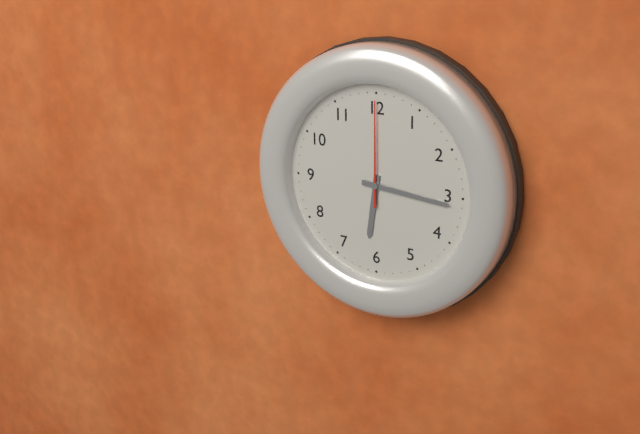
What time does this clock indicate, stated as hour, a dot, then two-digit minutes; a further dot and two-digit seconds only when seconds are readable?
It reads 6.16.00
